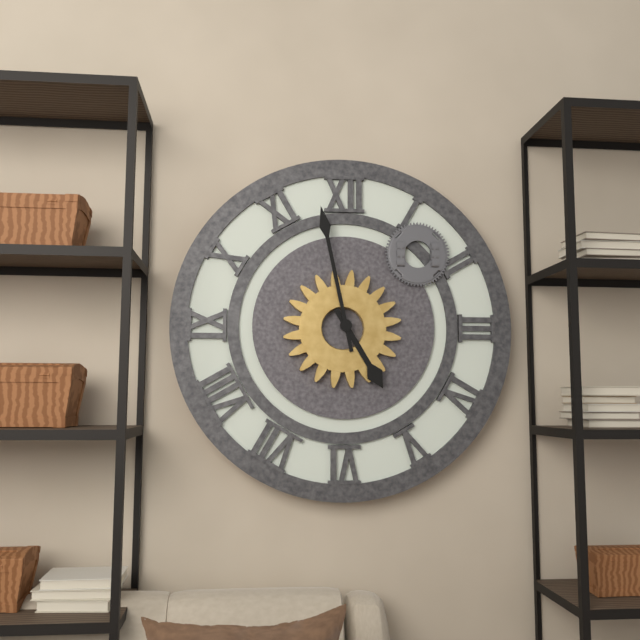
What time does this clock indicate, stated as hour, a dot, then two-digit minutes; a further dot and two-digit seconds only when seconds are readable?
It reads 4.58
